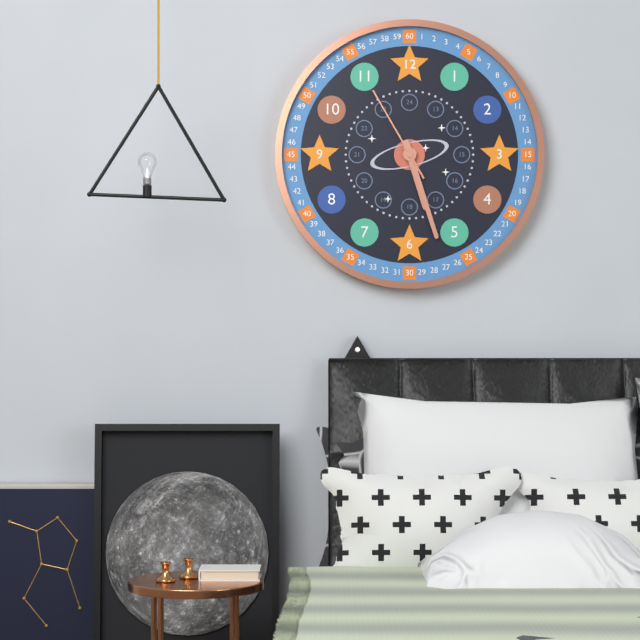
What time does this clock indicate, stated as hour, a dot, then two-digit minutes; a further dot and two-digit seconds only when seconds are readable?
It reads 5.27.55
